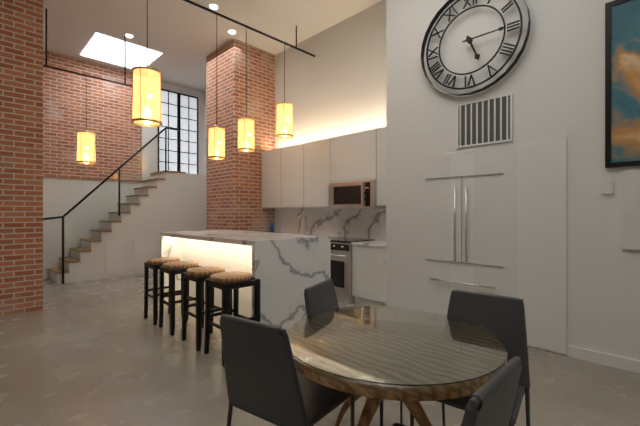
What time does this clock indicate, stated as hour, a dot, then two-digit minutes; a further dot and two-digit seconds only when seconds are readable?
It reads 5.15
